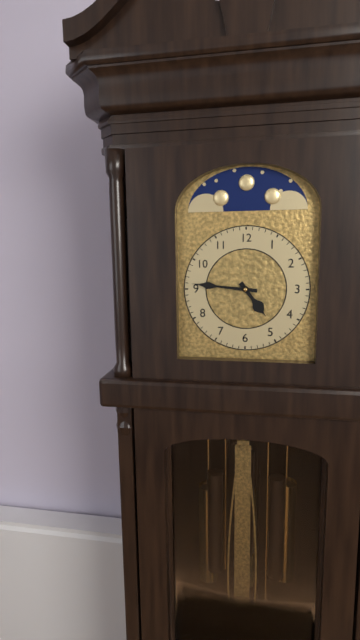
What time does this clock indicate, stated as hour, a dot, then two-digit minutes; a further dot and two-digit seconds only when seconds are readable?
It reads 4.46
